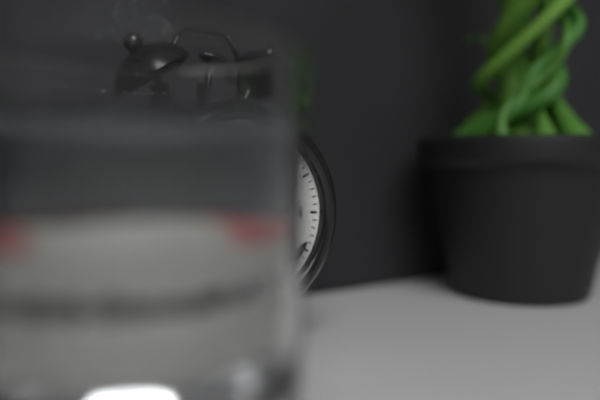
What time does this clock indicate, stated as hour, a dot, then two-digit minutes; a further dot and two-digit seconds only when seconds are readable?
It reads 12.57
